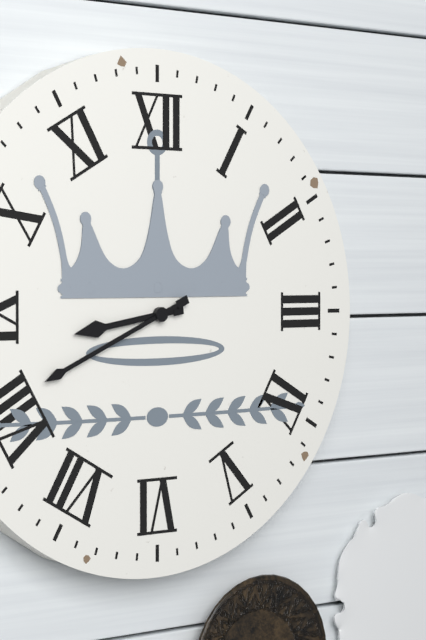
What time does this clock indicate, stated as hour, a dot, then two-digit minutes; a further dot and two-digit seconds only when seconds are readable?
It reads 8.41
